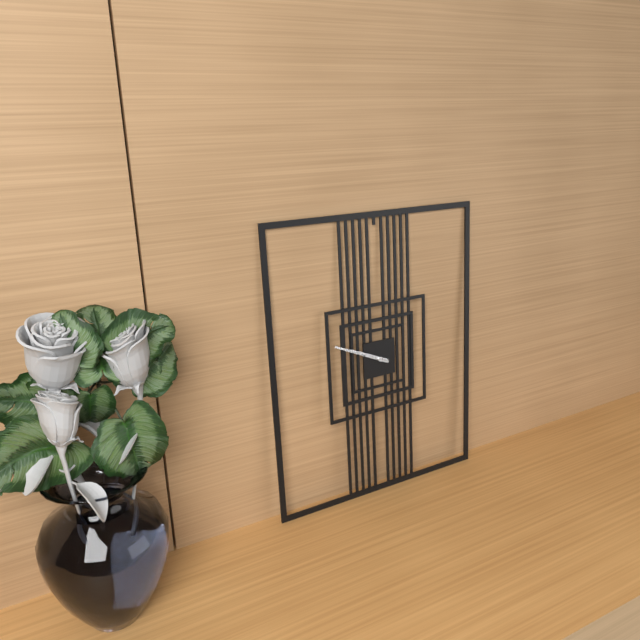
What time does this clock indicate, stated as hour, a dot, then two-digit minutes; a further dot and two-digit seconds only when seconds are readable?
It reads 9.49
